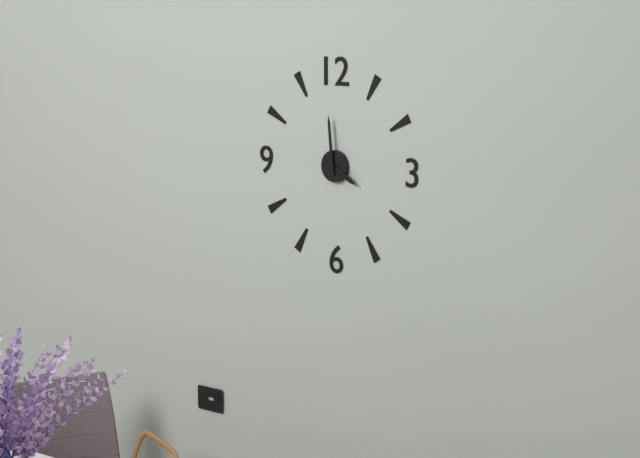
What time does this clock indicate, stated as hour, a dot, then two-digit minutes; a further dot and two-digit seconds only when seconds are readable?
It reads 3.59
